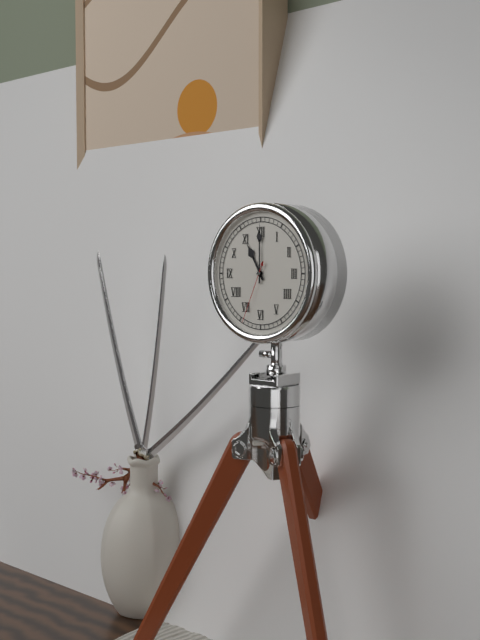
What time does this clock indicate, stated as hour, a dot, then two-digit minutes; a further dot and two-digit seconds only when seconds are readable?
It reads 11.00.34
